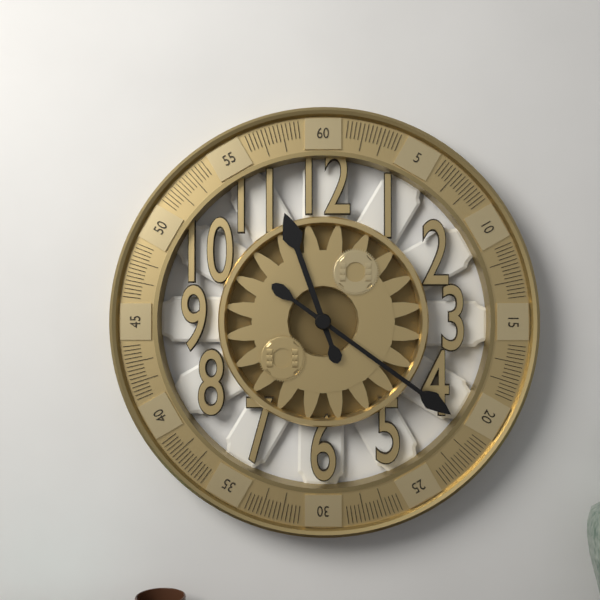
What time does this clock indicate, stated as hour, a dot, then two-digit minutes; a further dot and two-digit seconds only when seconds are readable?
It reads 11.21
